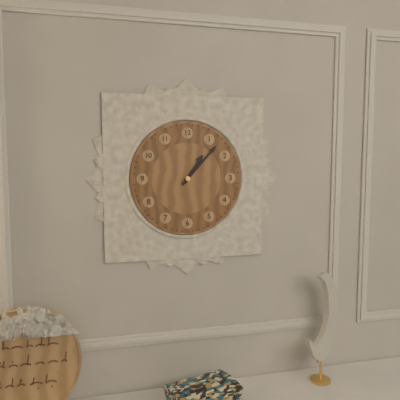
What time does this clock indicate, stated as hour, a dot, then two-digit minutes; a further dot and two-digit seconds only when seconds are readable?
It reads 1.07
